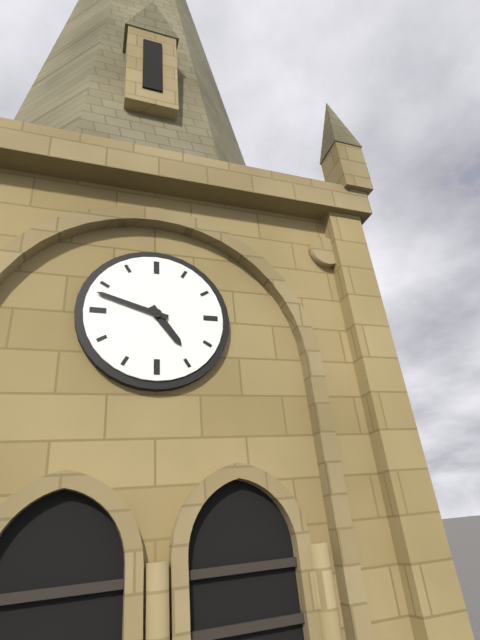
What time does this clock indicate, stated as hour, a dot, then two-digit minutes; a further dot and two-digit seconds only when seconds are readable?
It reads 4.48
